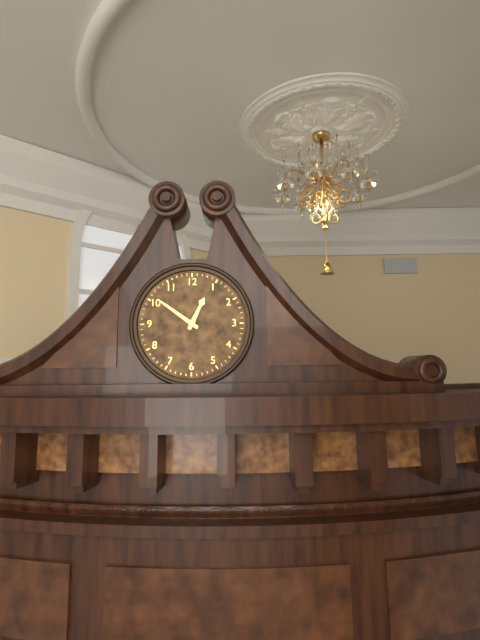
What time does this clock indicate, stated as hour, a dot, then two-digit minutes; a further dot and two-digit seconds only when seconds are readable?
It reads 12.51
